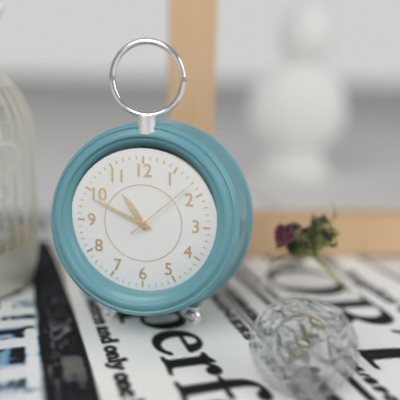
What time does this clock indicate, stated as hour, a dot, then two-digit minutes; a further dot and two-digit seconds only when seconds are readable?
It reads 10.49.08
